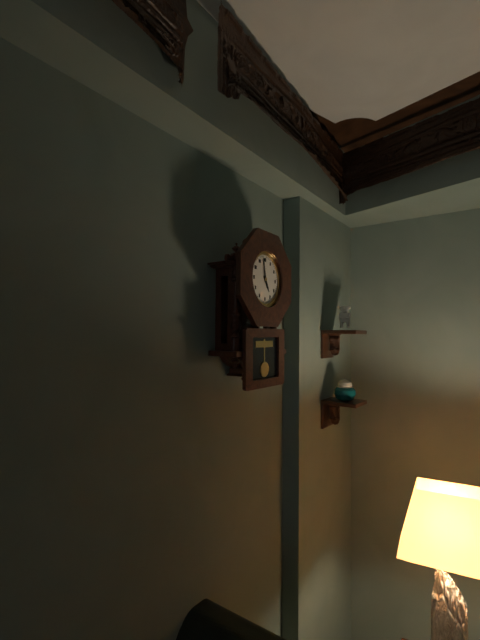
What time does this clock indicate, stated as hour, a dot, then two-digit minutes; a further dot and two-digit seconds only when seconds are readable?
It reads 4.58
